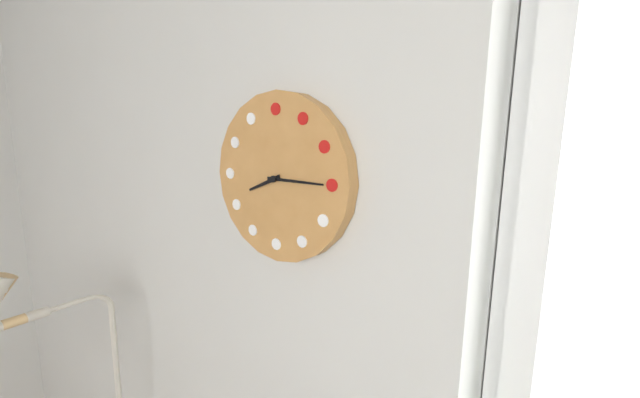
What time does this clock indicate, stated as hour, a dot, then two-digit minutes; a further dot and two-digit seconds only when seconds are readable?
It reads 8.15
